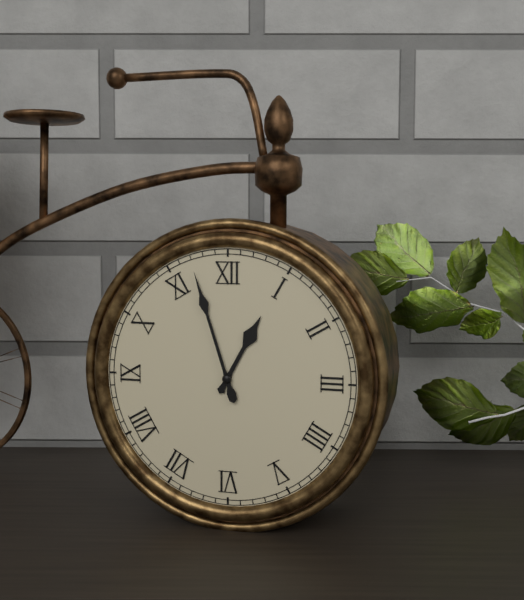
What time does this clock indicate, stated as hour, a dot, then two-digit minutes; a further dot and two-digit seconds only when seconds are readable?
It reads 12.57
